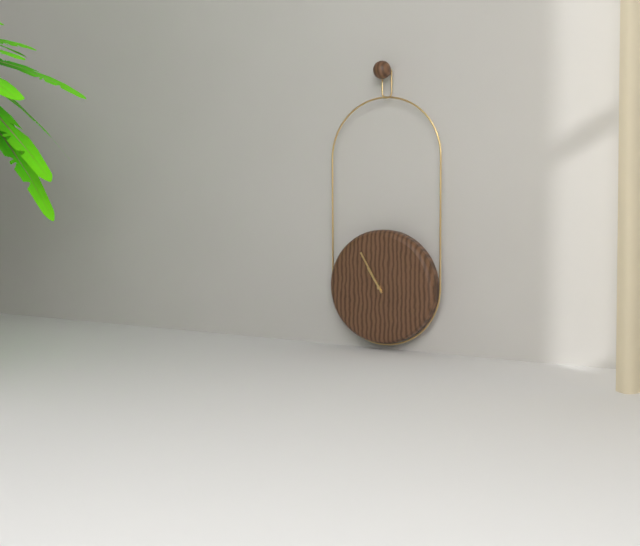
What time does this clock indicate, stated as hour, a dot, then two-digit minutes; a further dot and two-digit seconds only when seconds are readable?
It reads 10.55
